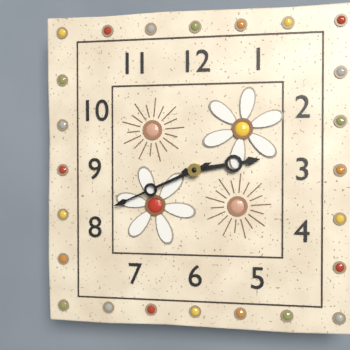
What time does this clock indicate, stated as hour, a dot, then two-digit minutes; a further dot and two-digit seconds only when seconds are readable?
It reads 2.41
